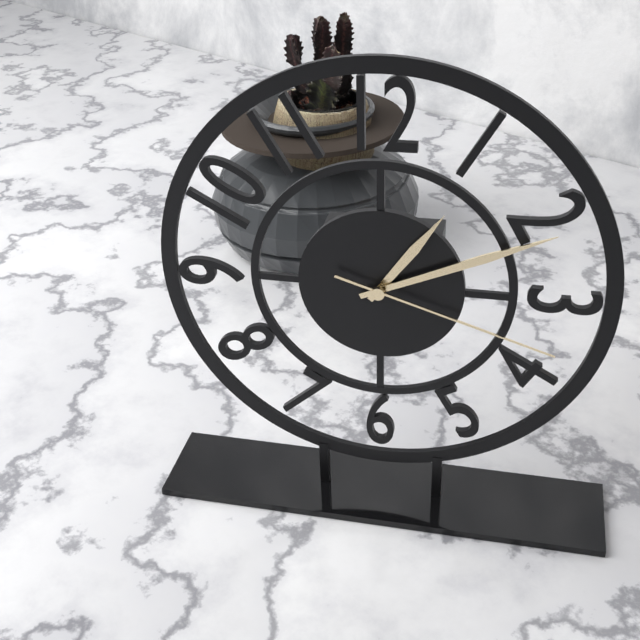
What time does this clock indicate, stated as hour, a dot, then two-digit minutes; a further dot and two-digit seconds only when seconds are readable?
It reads 1.11.18
